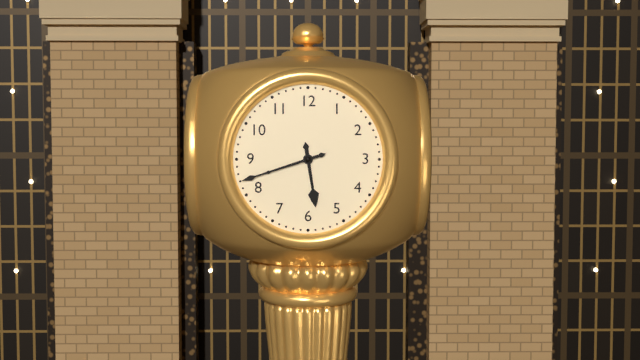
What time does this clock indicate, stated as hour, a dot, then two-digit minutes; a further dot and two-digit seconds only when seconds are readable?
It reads 5.42
